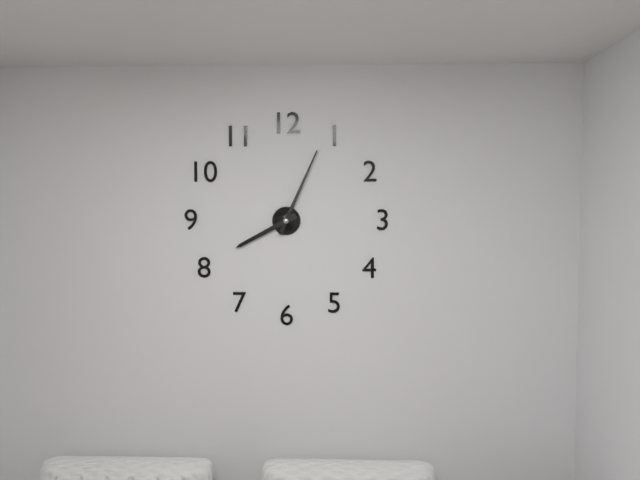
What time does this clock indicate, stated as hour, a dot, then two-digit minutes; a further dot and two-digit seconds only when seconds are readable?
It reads 8.04
